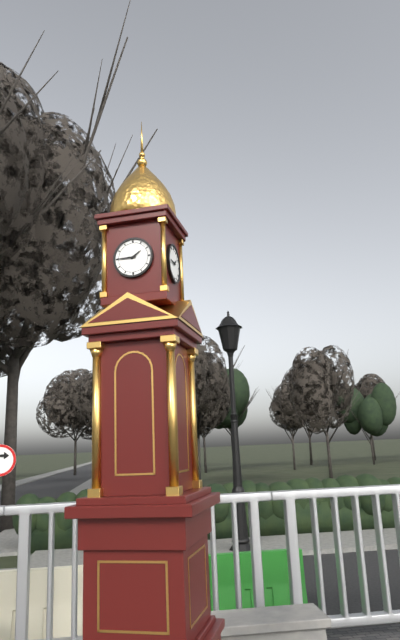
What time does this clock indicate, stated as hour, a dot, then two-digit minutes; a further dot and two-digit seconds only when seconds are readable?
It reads 1.45
